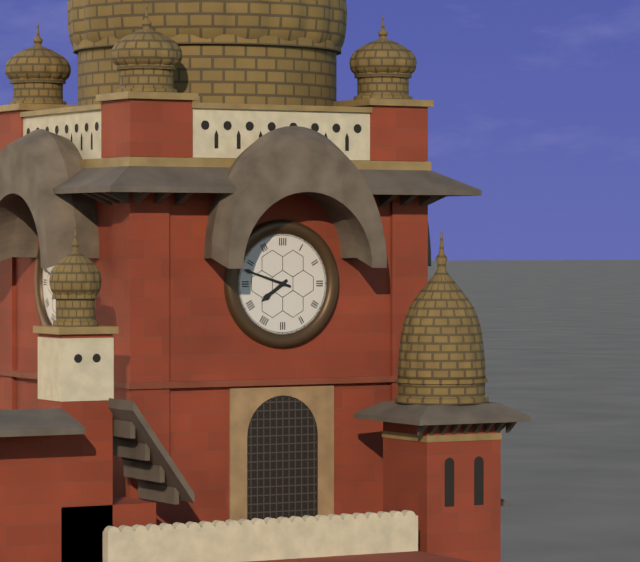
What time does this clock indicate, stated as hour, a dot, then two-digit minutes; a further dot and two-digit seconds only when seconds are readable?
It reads 7.48
